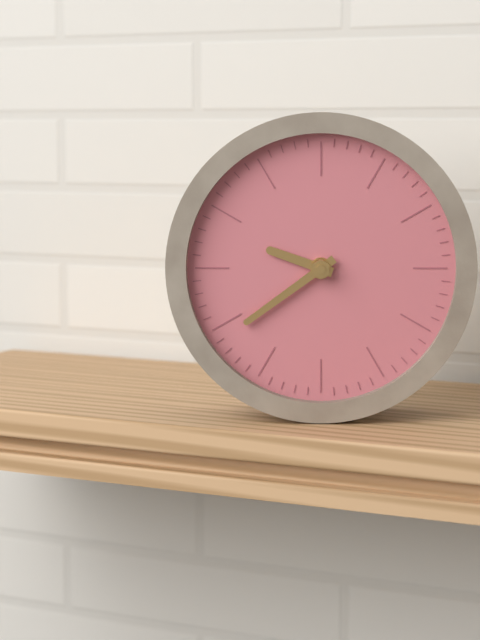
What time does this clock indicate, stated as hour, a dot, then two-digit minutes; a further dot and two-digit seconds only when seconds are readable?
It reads 9.39
